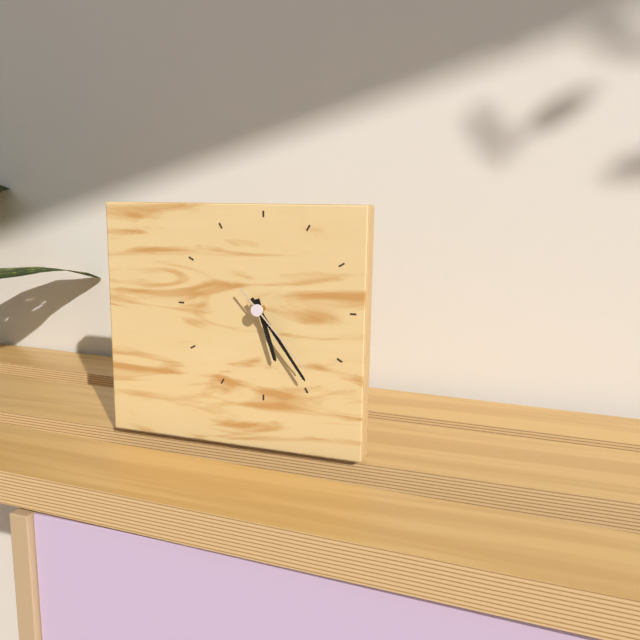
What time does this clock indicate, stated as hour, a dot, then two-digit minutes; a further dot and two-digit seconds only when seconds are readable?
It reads 5.24.23
